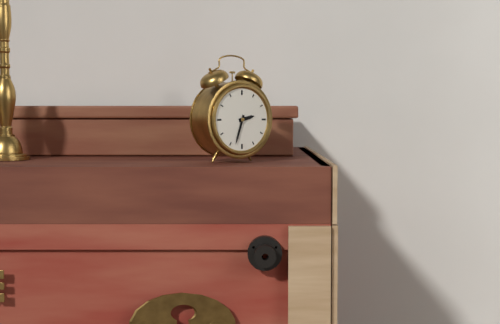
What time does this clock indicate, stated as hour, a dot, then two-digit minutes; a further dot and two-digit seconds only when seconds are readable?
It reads 2.33
